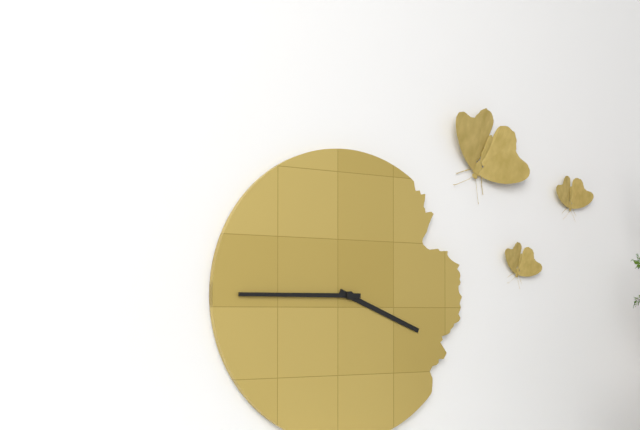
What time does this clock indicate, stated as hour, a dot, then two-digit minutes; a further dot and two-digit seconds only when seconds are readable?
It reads 3.45
